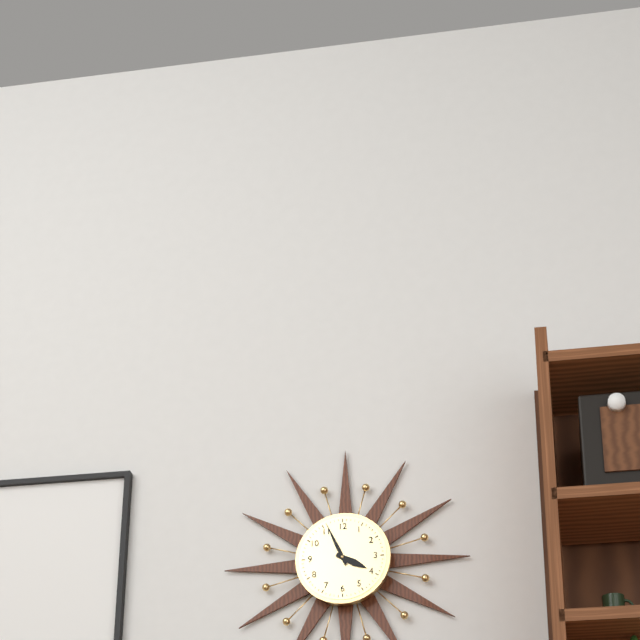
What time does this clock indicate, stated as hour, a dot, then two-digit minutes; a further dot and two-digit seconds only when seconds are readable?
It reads 3.56
